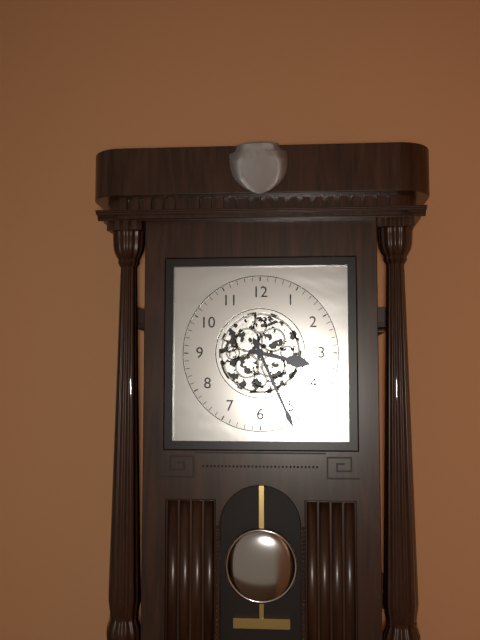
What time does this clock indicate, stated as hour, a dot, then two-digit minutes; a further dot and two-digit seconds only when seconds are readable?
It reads 3.26
